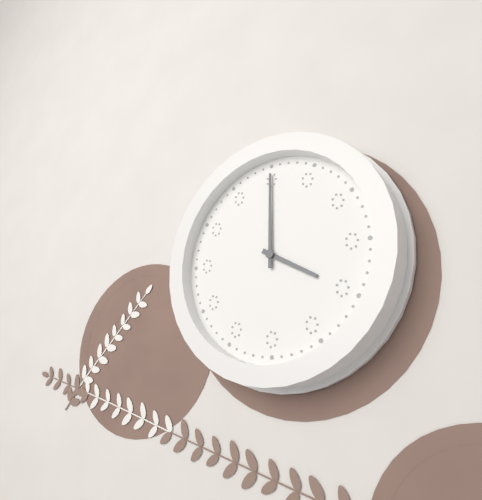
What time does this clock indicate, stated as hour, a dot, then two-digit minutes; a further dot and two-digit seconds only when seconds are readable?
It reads 4.00
